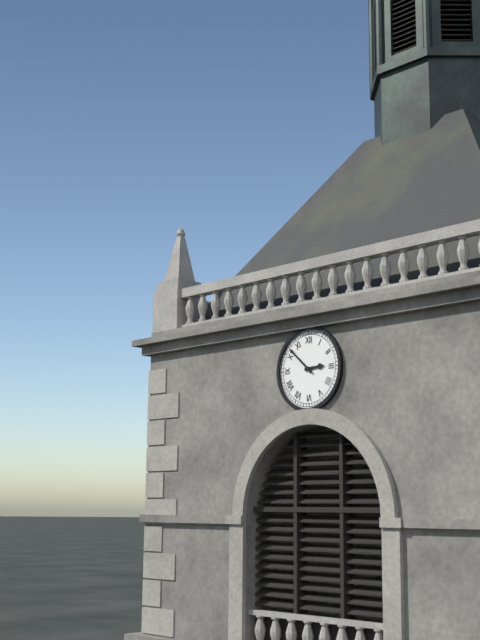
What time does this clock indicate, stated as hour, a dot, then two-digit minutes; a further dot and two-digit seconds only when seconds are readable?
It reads 2.52
